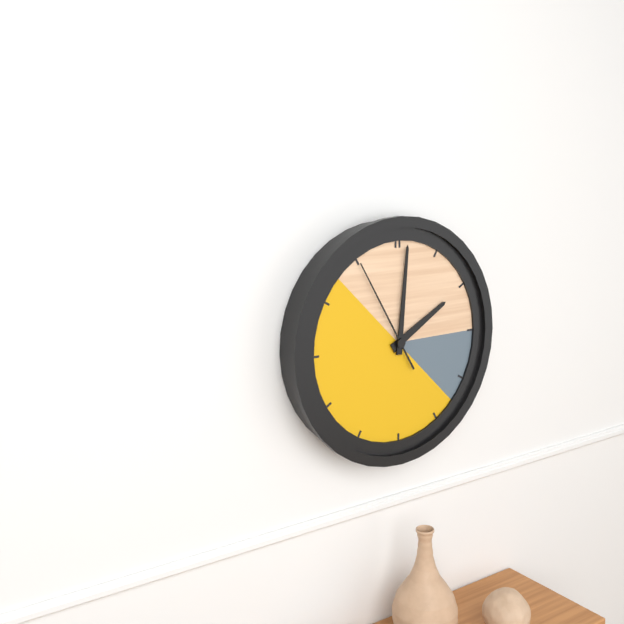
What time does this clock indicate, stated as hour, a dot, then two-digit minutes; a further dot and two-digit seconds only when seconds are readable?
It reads 2.01.55
